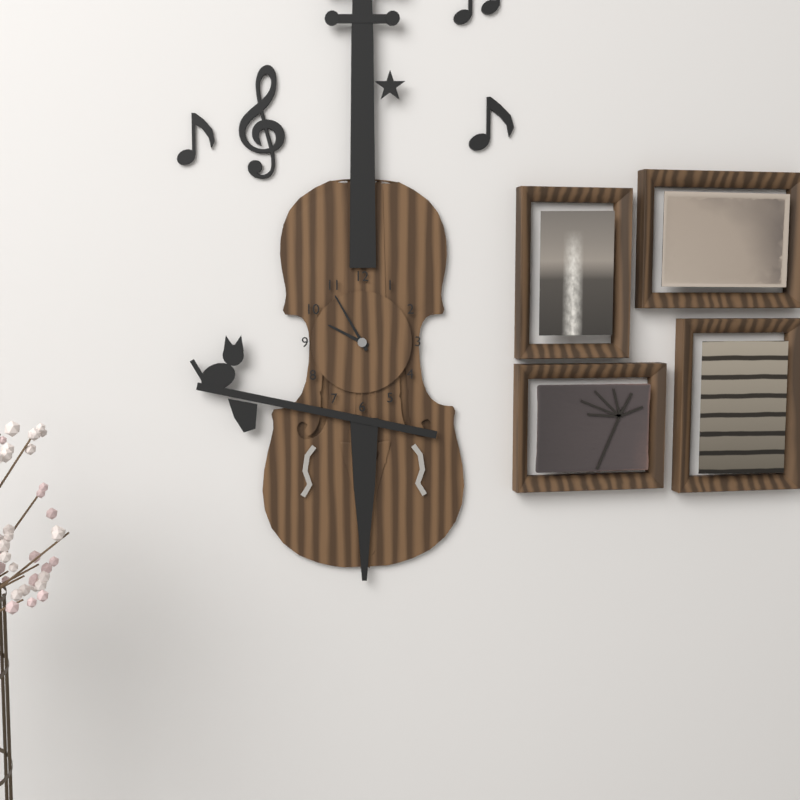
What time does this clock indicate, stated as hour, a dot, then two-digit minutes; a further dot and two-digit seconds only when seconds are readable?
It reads 9.55
